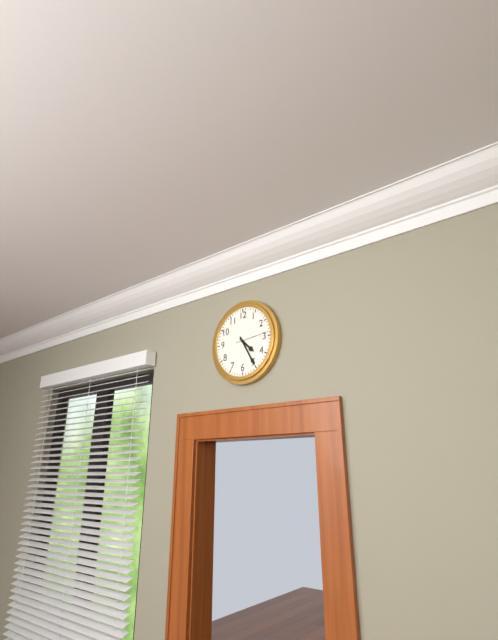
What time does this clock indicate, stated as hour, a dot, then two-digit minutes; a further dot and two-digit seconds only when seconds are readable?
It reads 4.25
